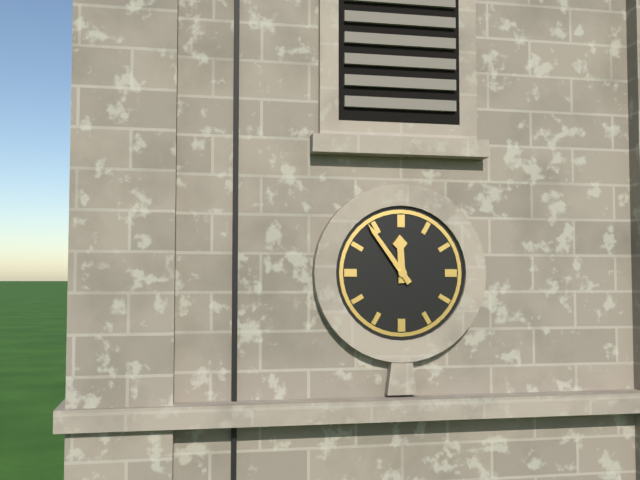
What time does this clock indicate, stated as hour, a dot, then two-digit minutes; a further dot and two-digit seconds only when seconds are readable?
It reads 11.54
